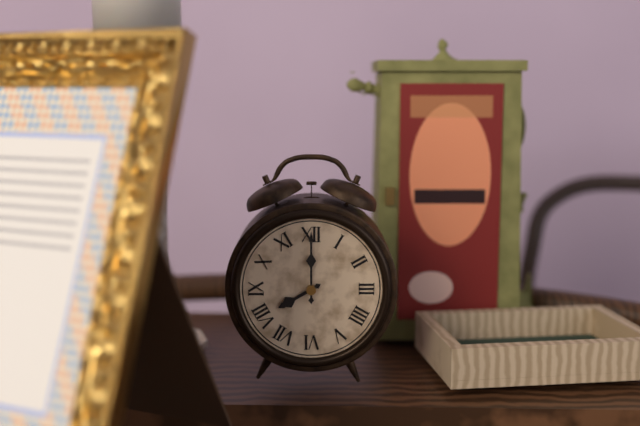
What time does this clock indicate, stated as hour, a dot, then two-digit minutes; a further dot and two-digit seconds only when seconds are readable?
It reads 8.00
